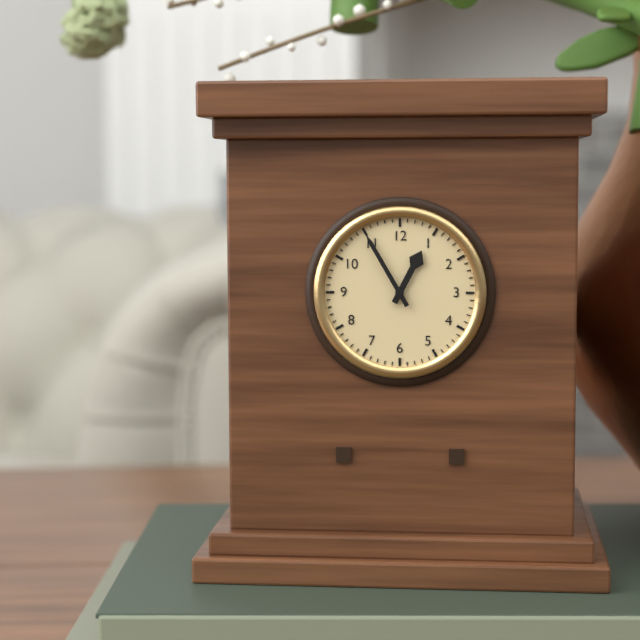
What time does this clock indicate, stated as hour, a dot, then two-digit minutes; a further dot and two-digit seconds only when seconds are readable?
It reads 12.55
